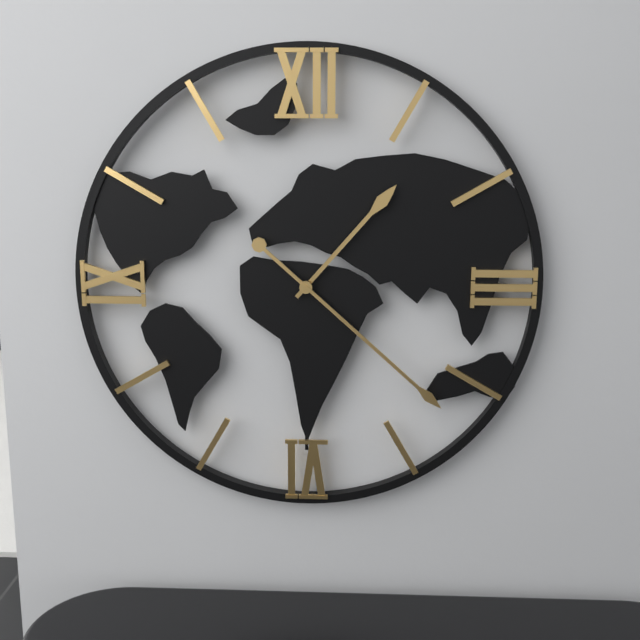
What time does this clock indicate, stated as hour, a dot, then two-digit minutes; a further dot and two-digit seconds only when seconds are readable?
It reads 1.22
